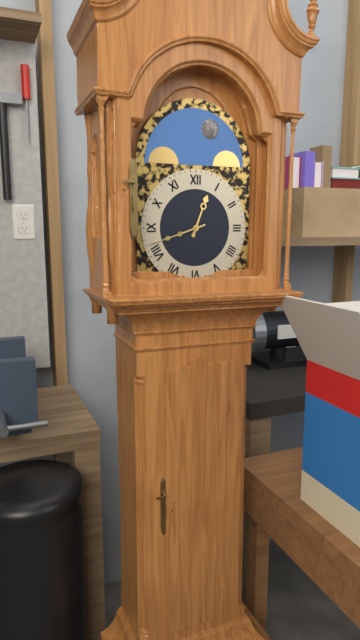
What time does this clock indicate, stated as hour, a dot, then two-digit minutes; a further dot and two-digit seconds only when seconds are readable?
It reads 12.42
